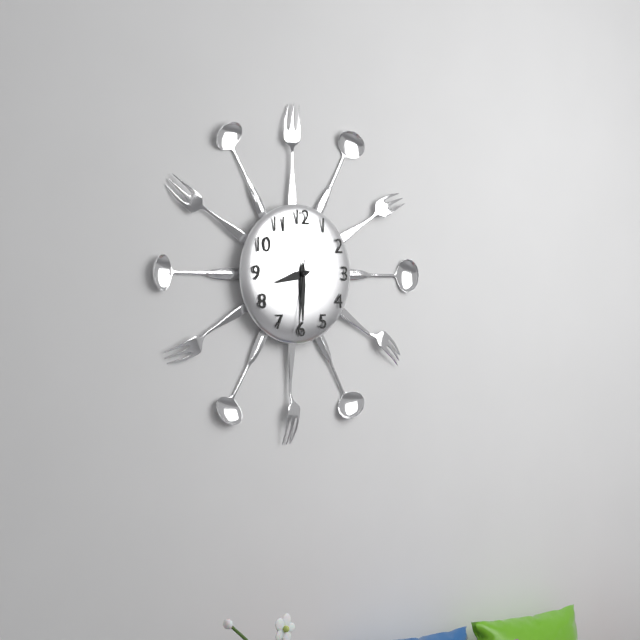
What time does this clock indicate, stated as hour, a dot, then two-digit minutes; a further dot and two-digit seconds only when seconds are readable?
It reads 8.30.31
